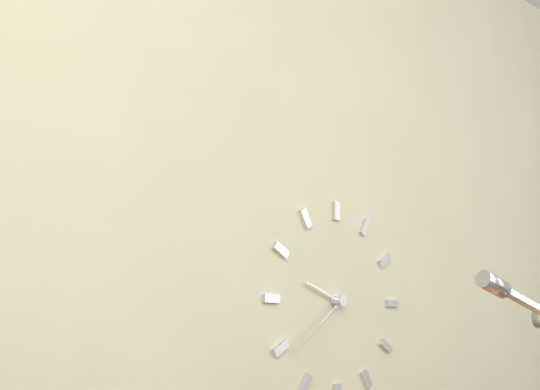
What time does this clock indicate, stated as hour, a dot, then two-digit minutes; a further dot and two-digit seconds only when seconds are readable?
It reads 9.39
